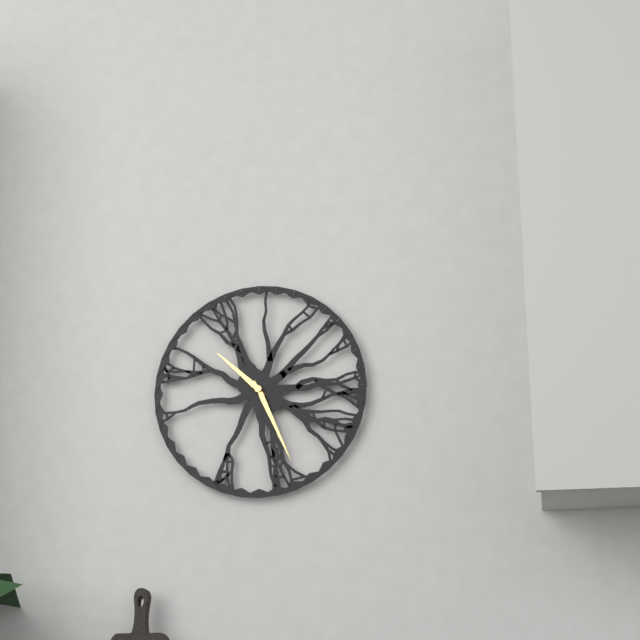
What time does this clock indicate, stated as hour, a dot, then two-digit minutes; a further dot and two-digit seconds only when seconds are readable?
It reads 10.26
